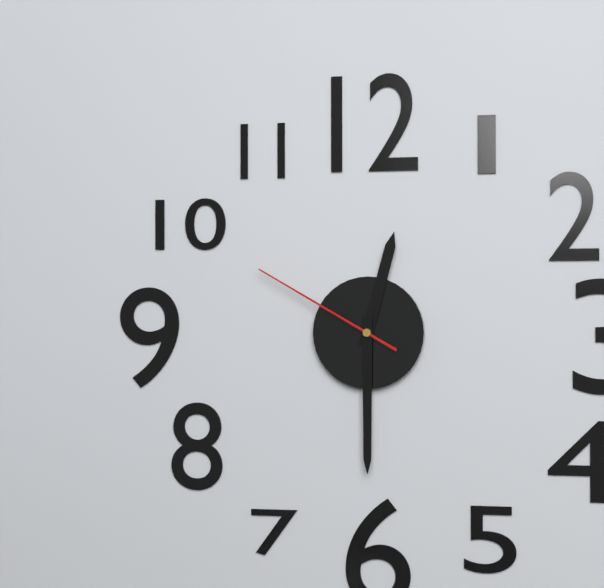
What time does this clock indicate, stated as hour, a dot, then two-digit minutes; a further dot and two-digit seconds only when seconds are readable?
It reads 12.30.50
